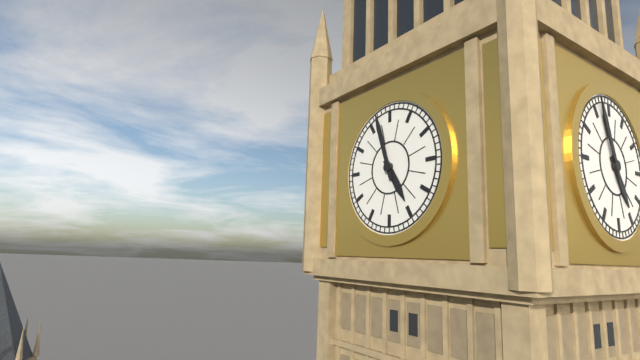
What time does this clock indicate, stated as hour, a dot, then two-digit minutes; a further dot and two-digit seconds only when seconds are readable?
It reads 4.57
